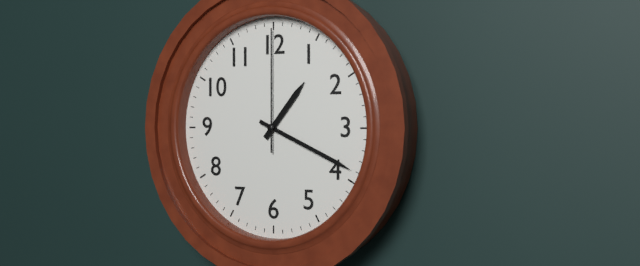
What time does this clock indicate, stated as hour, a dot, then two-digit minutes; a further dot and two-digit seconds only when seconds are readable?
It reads 1.19.00
